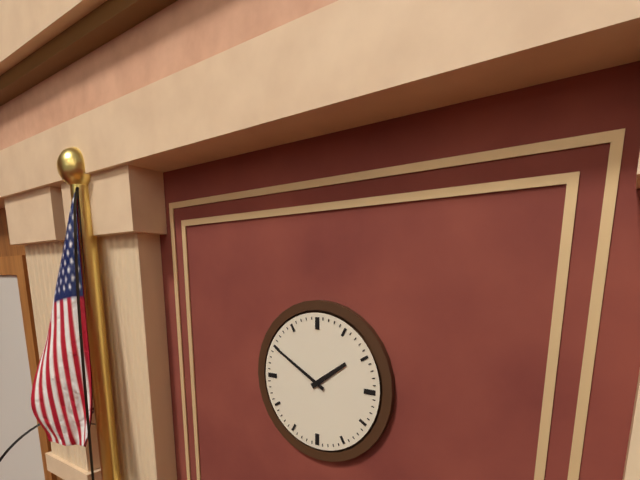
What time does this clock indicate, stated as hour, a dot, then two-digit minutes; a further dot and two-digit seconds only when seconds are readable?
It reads 1.50
